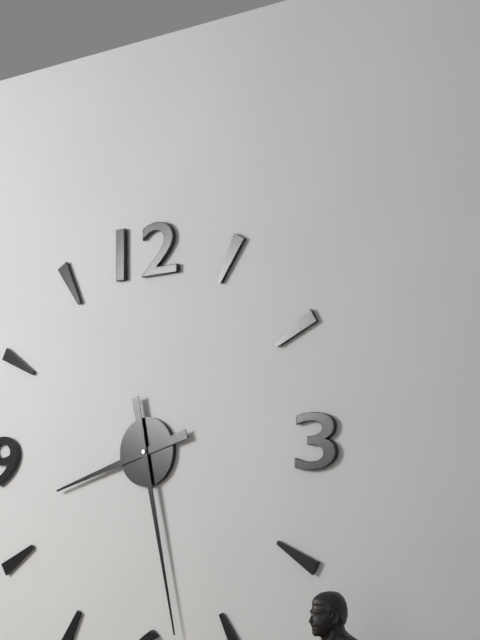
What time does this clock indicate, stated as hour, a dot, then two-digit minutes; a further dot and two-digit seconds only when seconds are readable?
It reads 8.28
